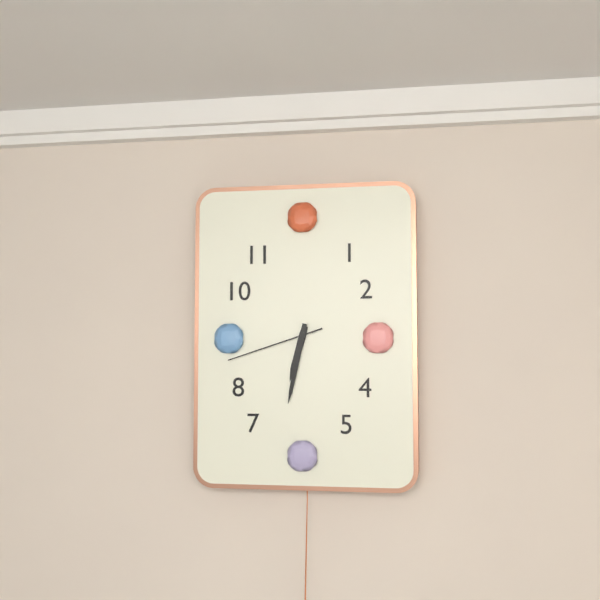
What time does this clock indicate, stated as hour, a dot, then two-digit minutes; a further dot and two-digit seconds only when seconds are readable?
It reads 6.32.42
